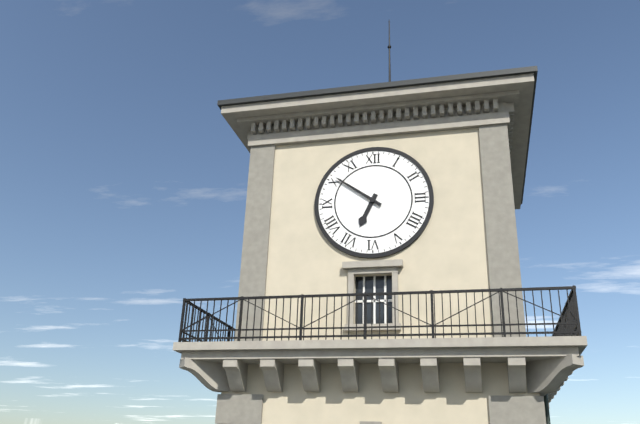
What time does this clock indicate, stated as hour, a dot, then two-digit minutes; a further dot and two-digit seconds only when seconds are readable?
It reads 6.51
